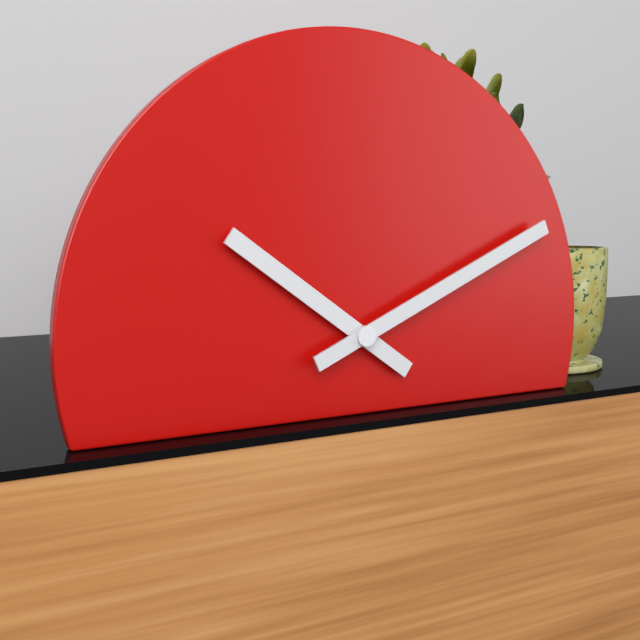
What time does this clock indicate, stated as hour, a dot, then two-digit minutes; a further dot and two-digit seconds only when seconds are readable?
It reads 10.11
